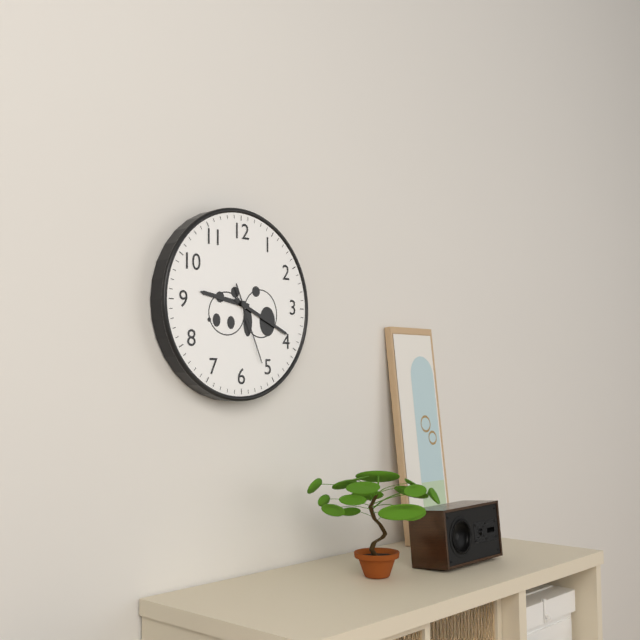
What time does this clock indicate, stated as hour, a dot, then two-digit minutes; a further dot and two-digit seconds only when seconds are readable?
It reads 9.19.26
